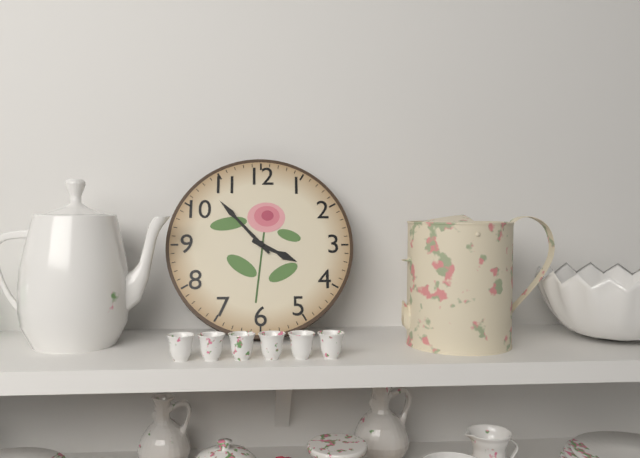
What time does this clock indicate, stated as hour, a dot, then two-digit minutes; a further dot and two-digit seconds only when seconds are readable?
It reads 3.53
